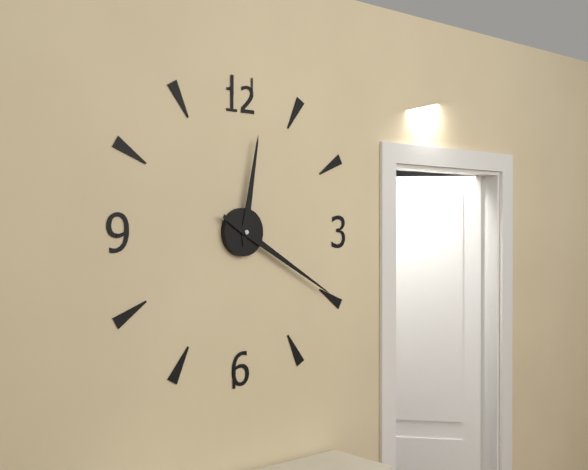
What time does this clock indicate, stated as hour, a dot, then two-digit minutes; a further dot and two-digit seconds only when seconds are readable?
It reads 12.20
